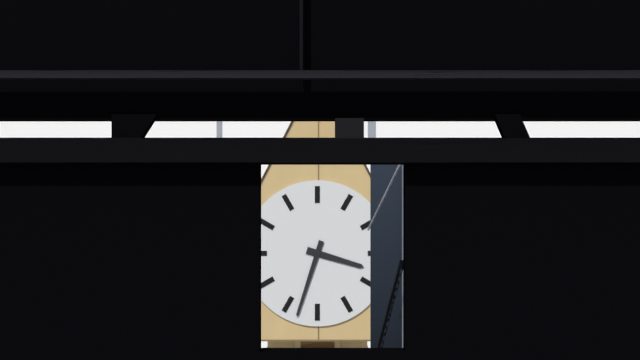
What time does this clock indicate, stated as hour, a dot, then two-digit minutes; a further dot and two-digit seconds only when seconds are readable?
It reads 3.33
